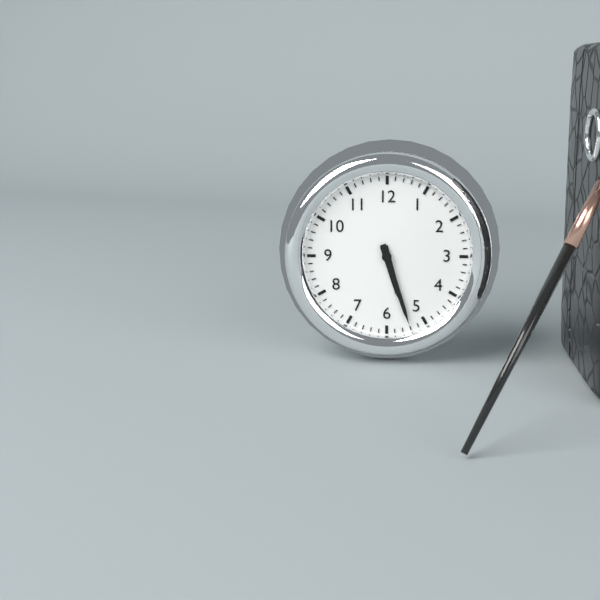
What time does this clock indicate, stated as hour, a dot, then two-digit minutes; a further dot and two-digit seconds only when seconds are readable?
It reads 5.27
